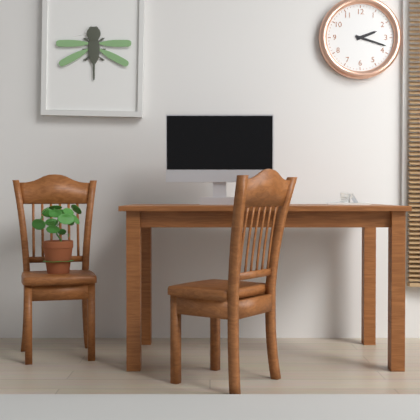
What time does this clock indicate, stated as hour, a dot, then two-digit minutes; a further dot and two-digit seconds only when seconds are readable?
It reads 2.18
